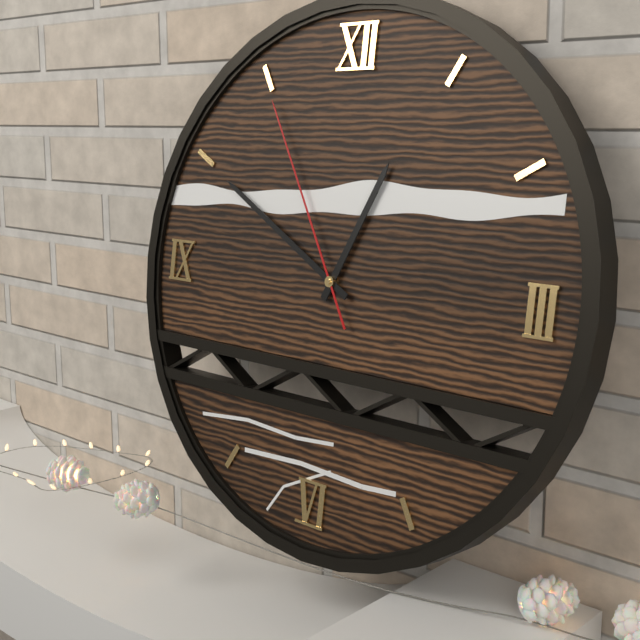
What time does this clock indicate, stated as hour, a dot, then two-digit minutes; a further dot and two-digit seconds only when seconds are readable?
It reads 12.50.55
